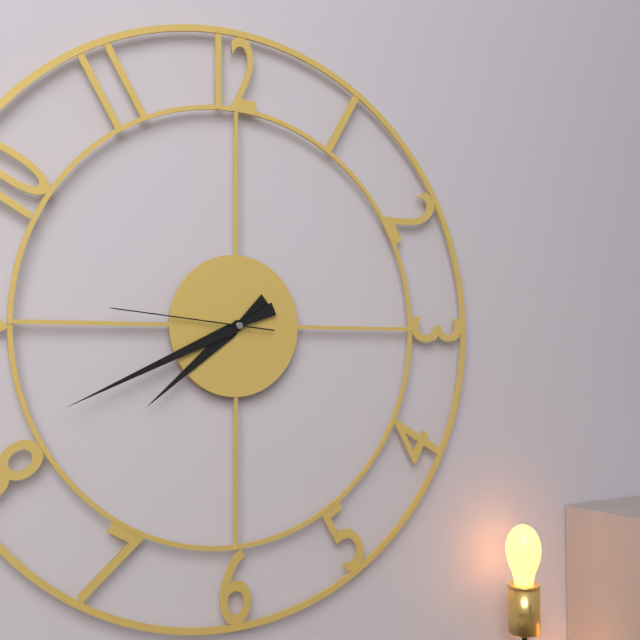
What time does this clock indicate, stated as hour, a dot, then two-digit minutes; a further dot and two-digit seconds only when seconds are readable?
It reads 7.41.46
